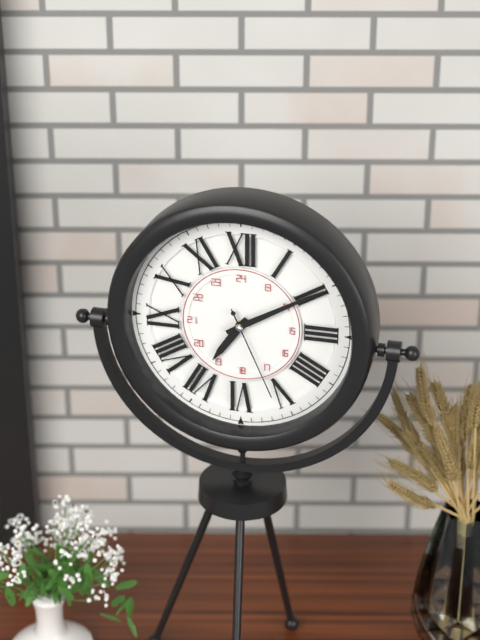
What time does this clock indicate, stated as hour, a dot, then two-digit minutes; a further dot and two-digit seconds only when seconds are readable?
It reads 7.10.26
